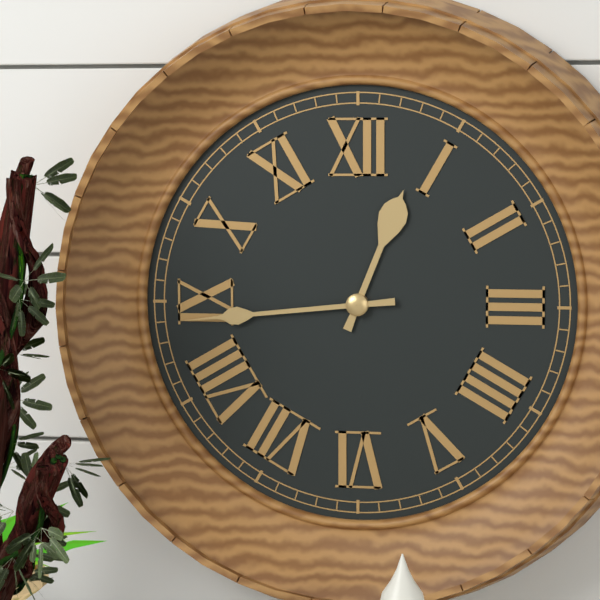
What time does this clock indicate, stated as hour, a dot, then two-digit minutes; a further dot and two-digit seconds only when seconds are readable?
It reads 12.44
